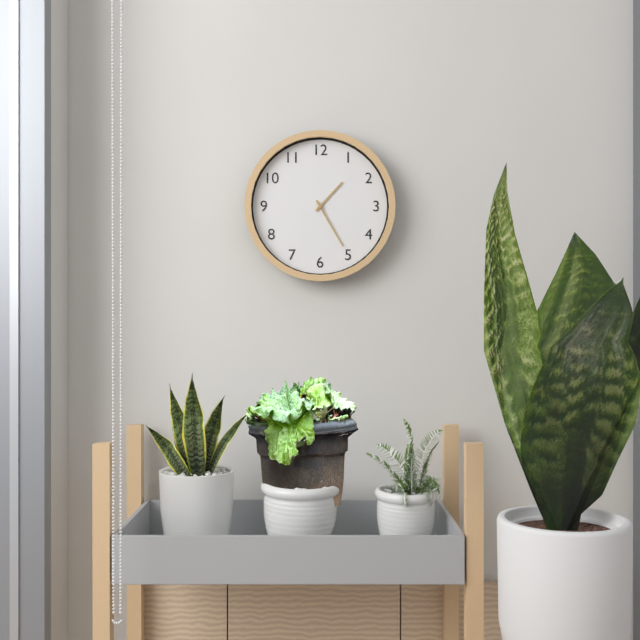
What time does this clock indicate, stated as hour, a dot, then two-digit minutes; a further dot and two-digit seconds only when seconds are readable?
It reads 1.25
